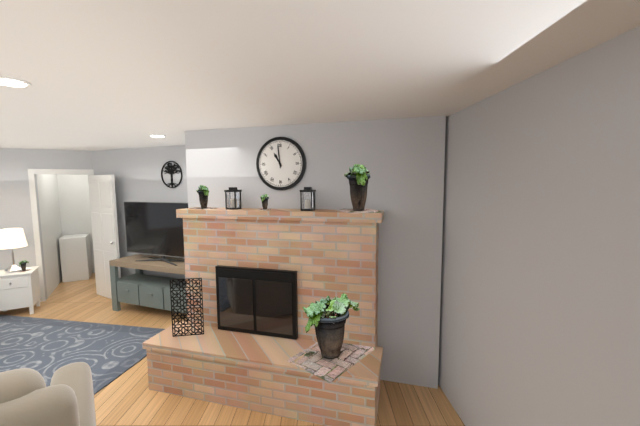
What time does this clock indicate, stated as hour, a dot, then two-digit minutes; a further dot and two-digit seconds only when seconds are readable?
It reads 10.59
